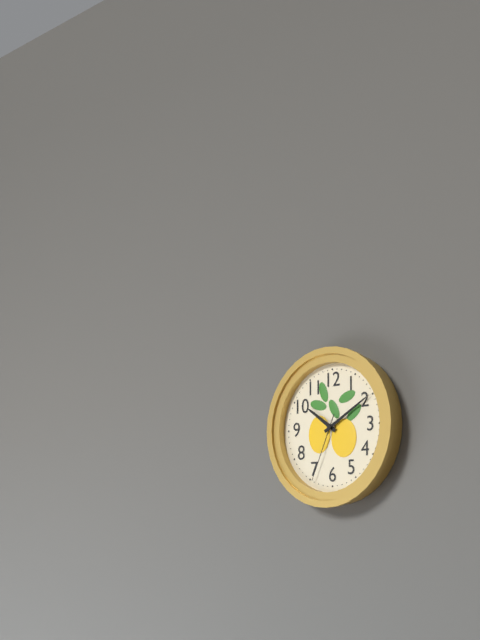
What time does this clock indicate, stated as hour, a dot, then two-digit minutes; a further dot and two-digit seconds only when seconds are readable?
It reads 10.10.34
